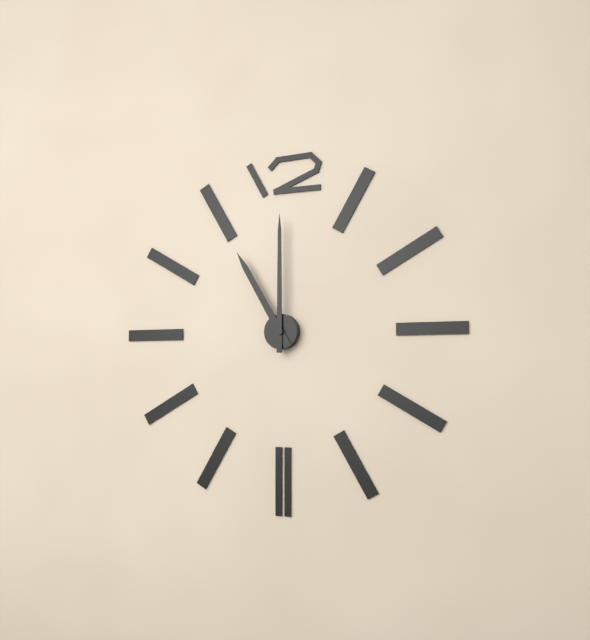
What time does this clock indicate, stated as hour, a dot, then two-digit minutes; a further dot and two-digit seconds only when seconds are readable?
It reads 11.00
